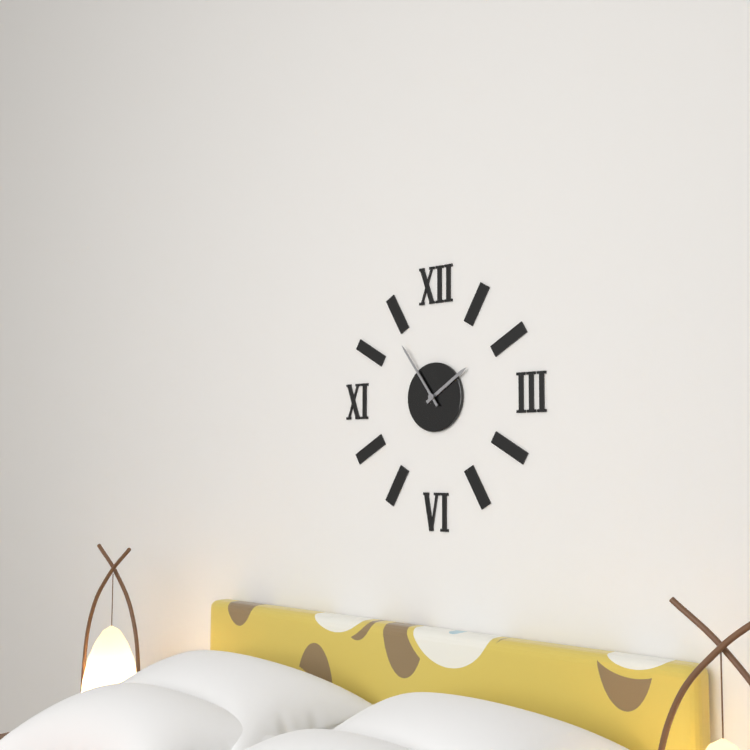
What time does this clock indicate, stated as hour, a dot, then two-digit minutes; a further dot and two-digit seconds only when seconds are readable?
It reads 1.54
